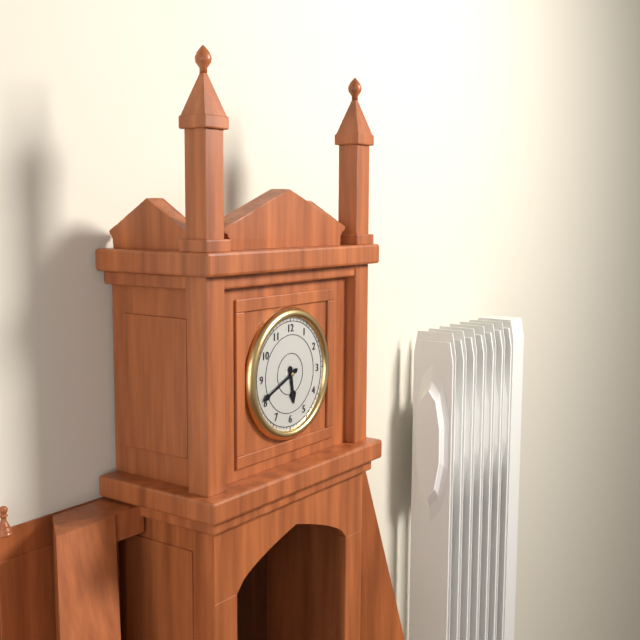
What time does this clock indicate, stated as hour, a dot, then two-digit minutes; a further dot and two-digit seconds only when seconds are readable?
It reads 5.41
